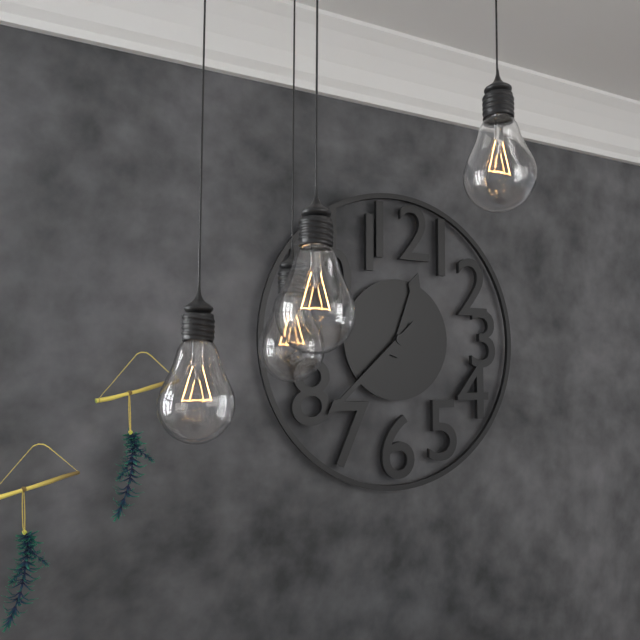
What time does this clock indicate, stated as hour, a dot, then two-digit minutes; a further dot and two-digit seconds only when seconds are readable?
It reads 12.38
